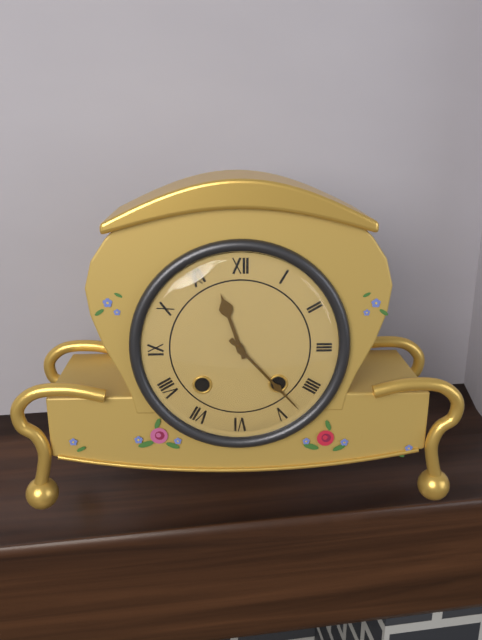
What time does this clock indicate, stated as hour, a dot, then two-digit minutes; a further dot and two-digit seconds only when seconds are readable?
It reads 11.23
